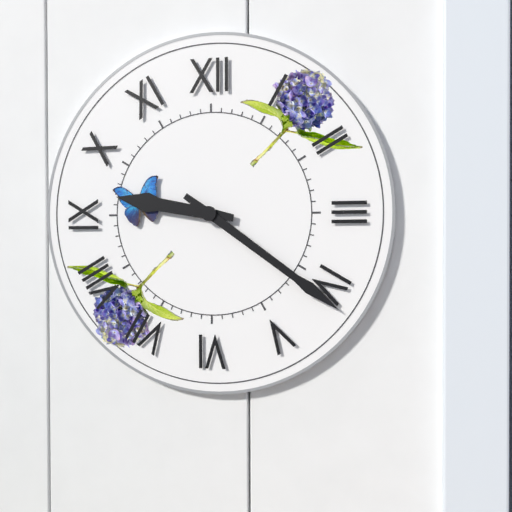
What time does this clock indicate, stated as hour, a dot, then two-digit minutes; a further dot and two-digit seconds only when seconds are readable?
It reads 9.21
